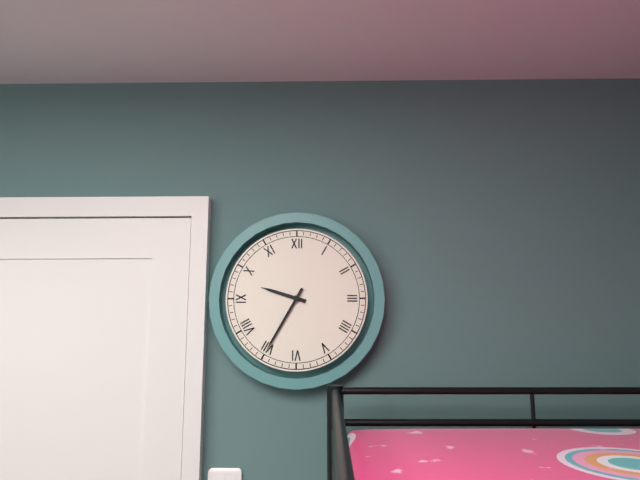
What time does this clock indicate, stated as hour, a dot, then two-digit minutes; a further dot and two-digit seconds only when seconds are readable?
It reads 9.35
